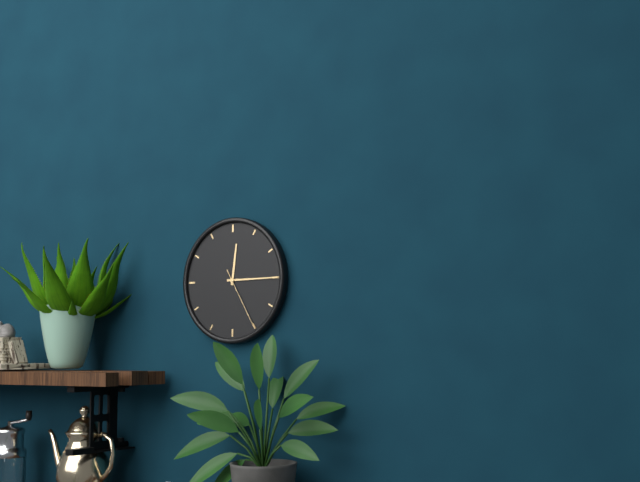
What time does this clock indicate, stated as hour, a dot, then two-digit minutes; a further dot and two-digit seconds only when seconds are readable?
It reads 12.15.25
